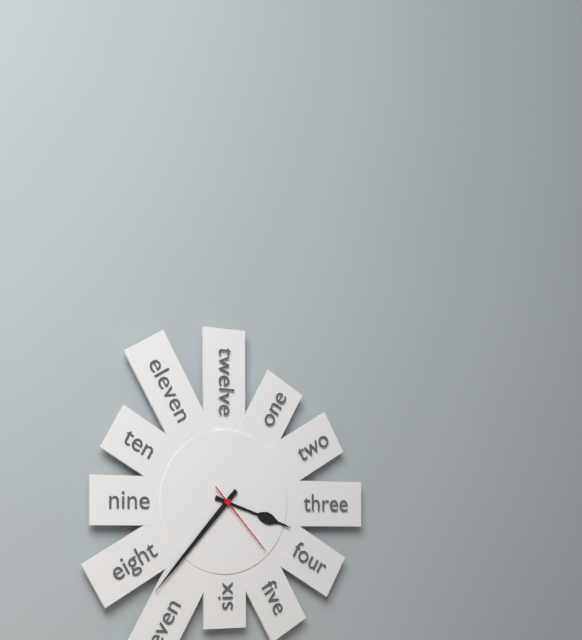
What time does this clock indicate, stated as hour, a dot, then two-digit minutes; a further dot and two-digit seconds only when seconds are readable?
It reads 3.37.23
